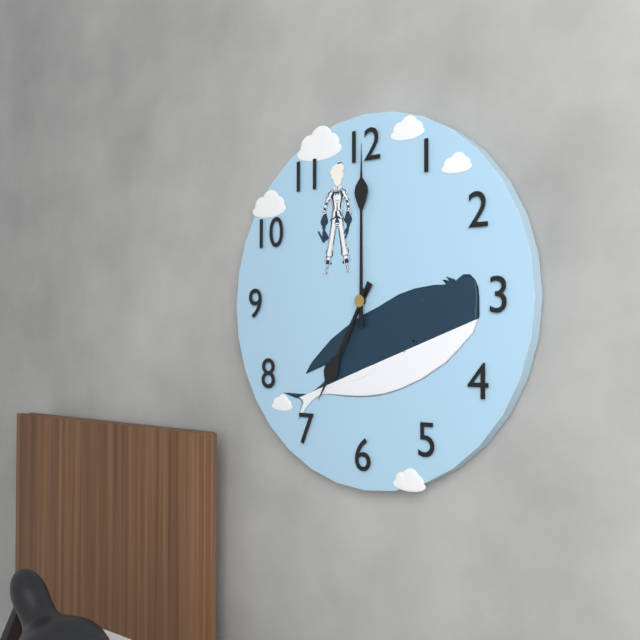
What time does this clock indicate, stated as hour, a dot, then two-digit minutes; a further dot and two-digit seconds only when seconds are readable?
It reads 7.00.34
